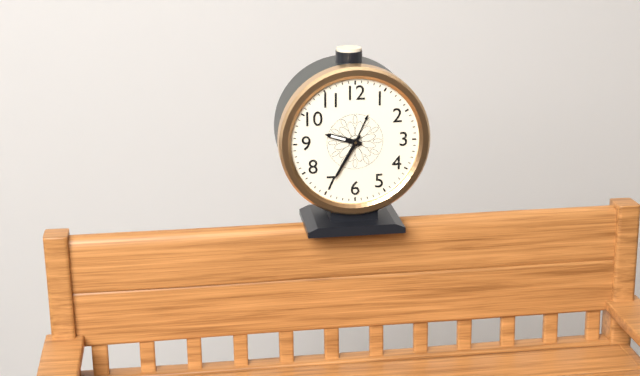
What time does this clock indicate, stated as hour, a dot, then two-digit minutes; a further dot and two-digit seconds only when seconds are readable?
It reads 9.35
